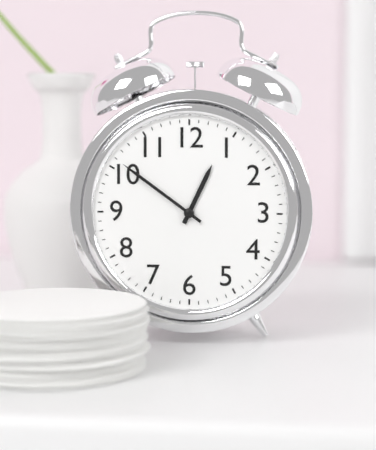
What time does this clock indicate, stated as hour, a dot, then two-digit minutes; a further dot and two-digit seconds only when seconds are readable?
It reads 12.51
